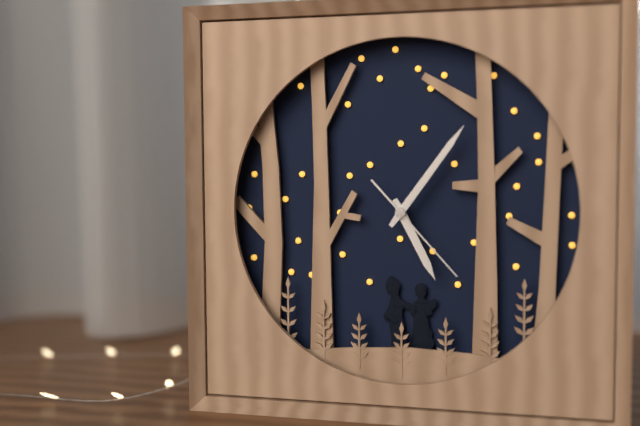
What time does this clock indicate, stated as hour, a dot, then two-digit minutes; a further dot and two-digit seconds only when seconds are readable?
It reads 5.06.23
